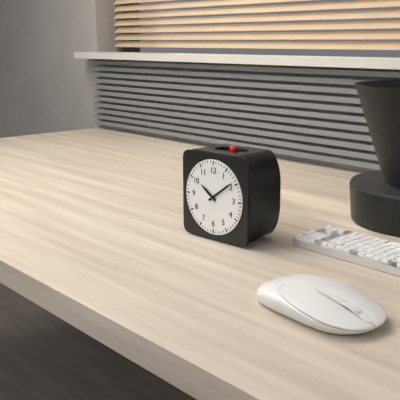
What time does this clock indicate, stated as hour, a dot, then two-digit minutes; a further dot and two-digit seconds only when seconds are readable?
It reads 10.09
